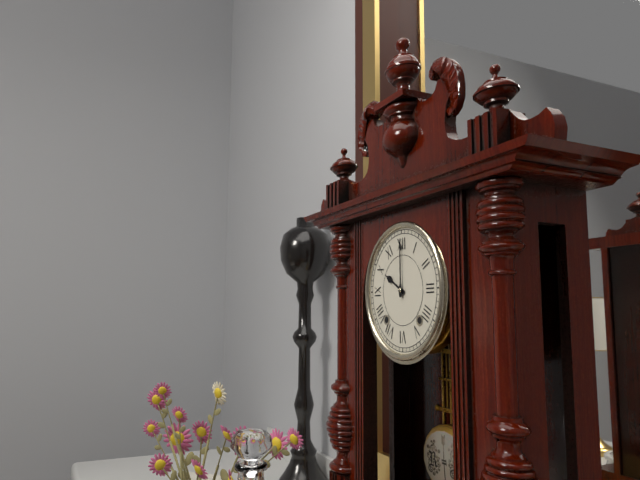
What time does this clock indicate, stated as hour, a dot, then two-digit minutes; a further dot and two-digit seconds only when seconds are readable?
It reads 10.00
